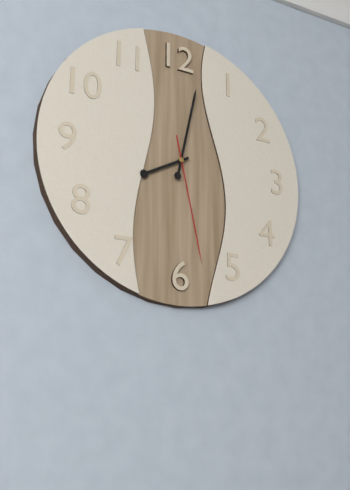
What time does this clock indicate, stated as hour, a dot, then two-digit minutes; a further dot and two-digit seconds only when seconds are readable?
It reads 8.02.28
